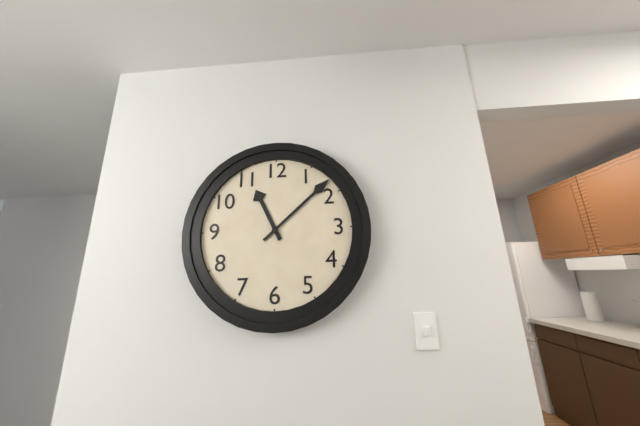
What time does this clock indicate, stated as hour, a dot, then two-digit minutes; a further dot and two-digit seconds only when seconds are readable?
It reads 11.08
